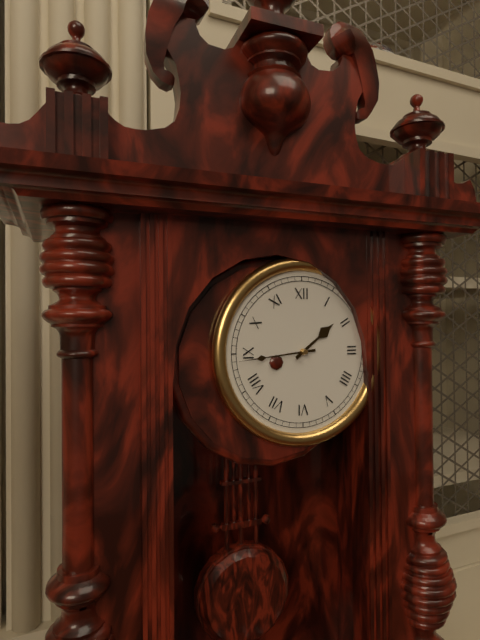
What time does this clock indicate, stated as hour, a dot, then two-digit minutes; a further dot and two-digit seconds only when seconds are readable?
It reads 1.44
